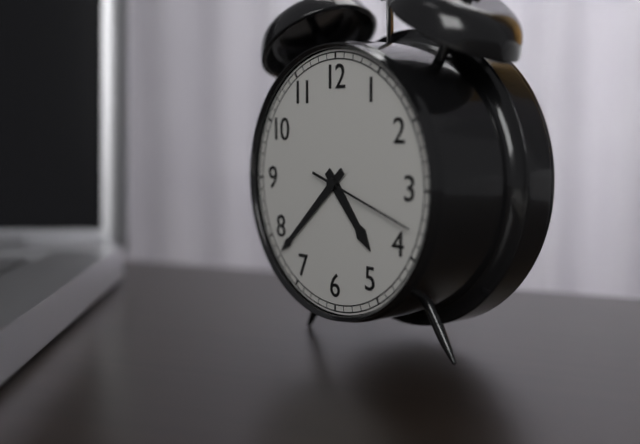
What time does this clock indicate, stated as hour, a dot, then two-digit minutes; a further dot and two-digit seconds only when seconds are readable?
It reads 4.38.18
